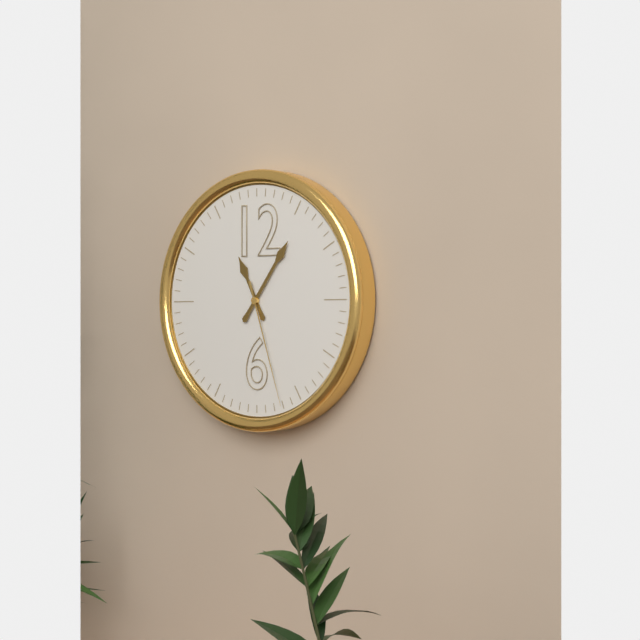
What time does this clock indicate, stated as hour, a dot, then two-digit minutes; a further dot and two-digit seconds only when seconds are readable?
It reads 11.06.27
